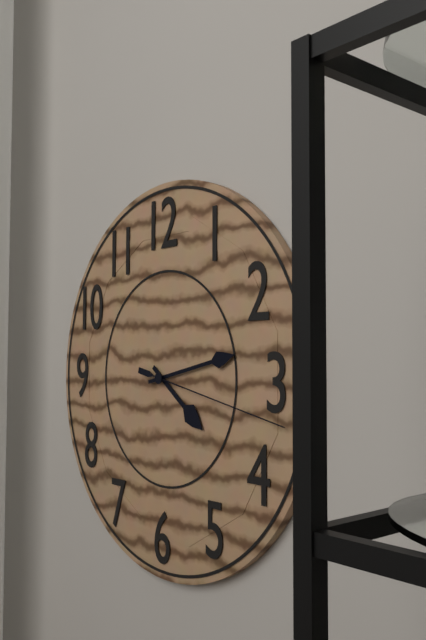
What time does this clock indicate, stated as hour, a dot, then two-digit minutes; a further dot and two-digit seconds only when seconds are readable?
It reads 4.13.17
